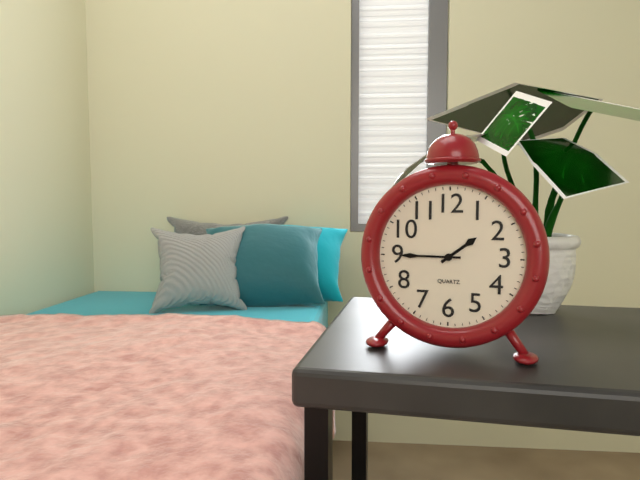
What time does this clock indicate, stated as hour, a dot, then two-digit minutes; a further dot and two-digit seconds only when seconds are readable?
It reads 1.45
